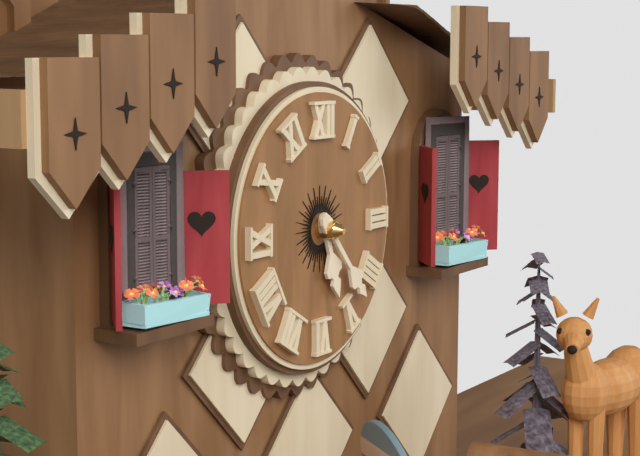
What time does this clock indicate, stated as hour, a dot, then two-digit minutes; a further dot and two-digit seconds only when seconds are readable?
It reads 5.23
